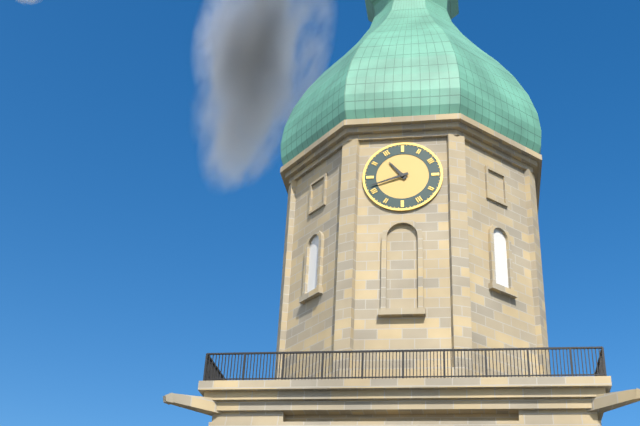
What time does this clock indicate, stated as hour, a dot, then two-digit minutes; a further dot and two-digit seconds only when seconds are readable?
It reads 10.42
